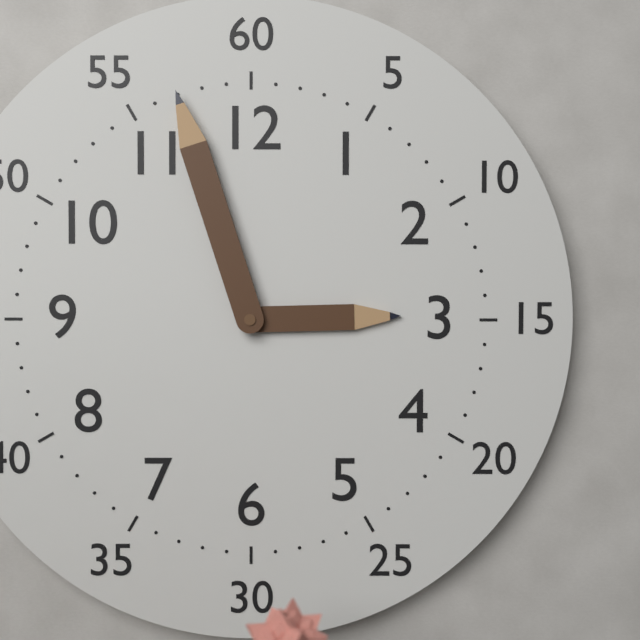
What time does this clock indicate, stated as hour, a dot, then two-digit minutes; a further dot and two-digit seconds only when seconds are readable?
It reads 2.57
